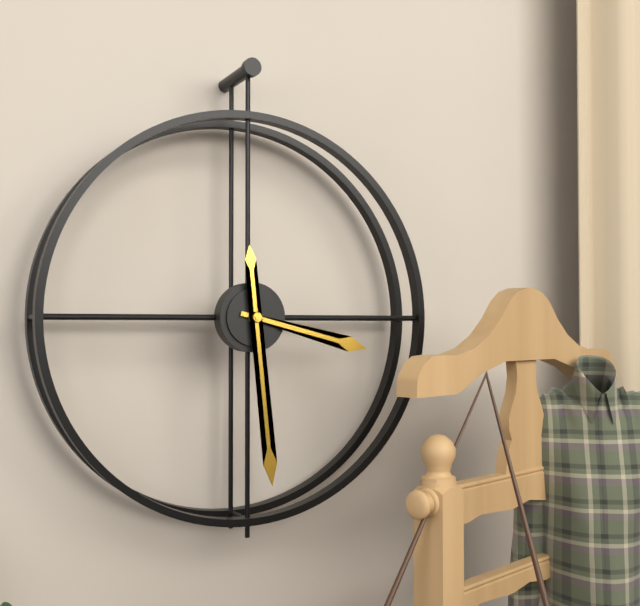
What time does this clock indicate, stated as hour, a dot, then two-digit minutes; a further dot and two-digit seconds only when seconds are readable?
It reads 3.29
